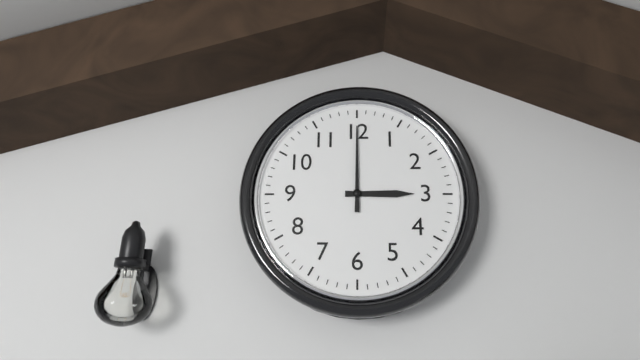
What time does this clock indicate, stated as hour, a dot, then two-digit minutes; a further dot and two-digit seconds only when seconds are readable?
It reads 3.00
